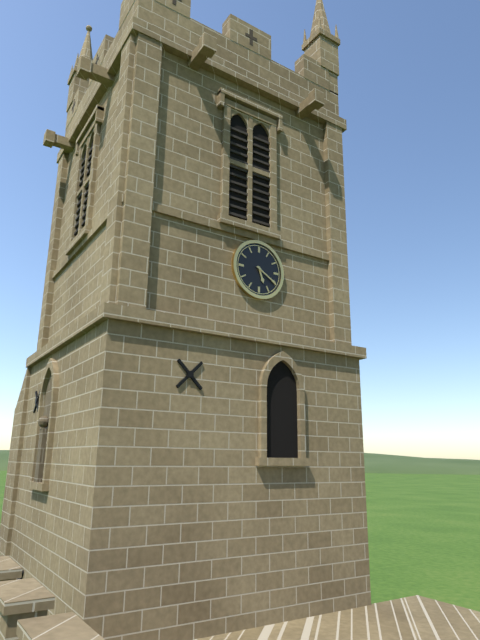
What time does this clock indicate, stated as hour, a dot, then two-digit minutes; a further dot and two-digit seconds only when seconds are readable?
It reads 5.20
